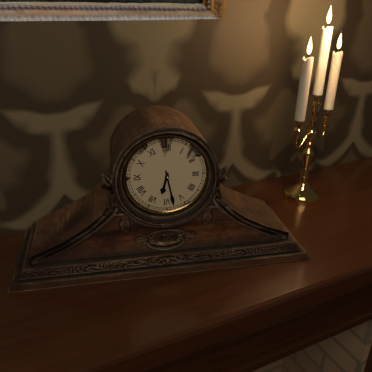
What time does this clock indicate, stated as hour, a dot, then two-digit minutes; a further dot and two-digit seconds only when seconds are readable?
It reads 6.28
